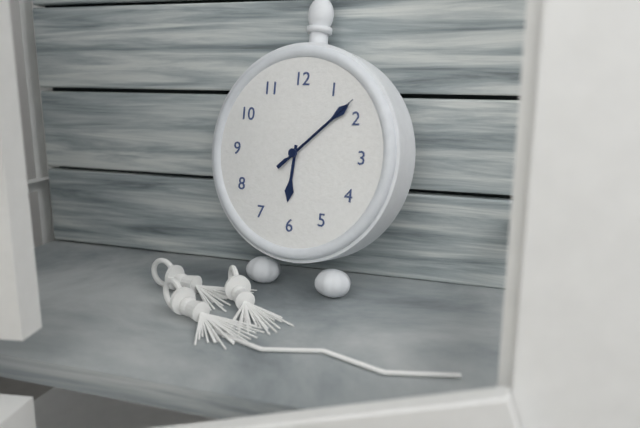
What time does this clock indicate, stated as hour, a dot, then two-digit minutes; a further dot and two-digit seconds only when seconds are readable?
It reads 6.08.08
